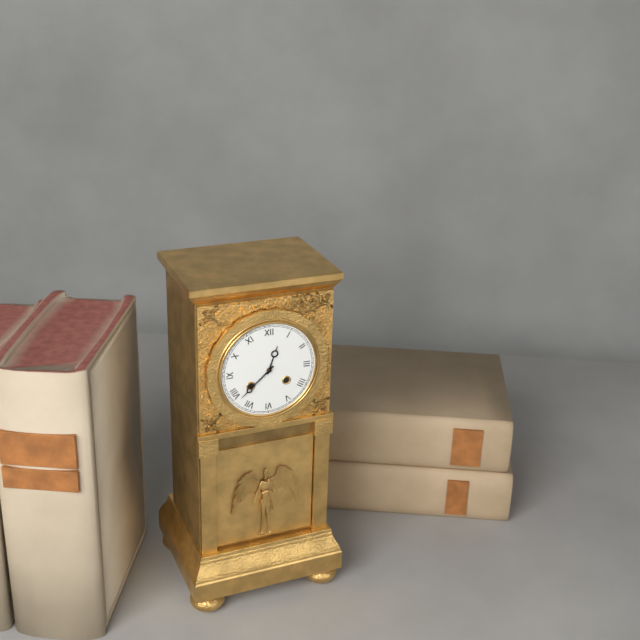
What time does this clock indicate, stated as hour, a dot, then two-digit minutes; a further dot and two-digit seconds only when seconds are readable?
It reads 12.38
